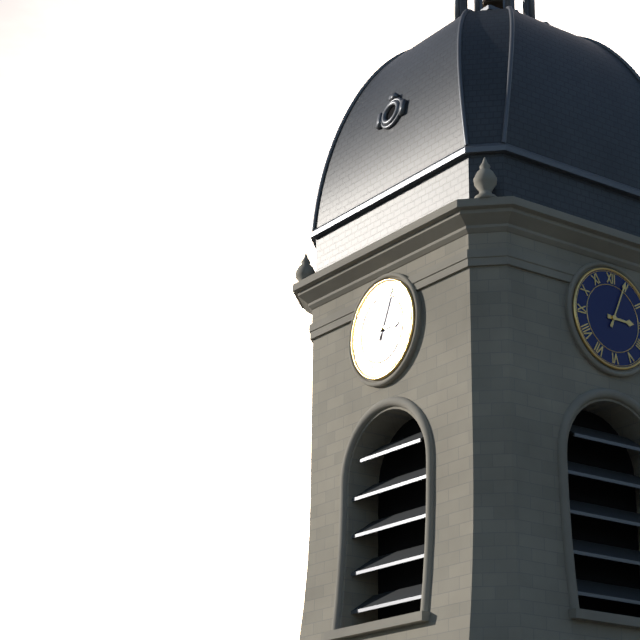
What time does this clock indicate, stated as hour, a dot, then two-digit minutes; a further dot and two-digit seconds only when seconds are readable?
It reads 3.04
